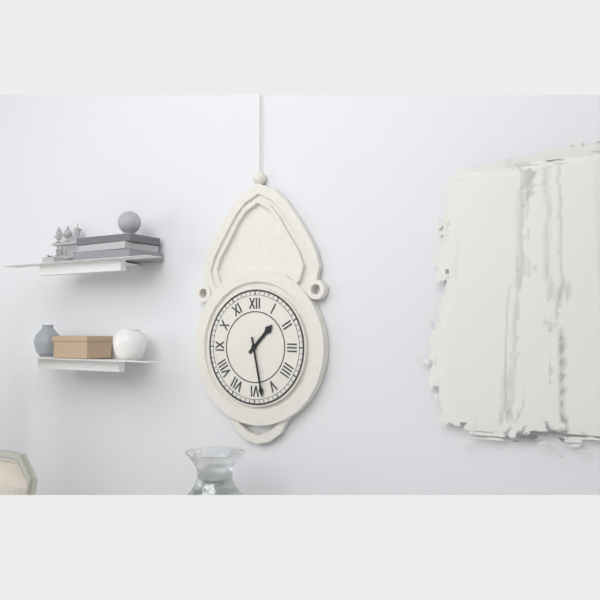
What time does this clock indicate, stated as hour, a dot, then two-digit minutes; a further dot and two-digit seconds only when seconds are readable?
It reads 1.28
